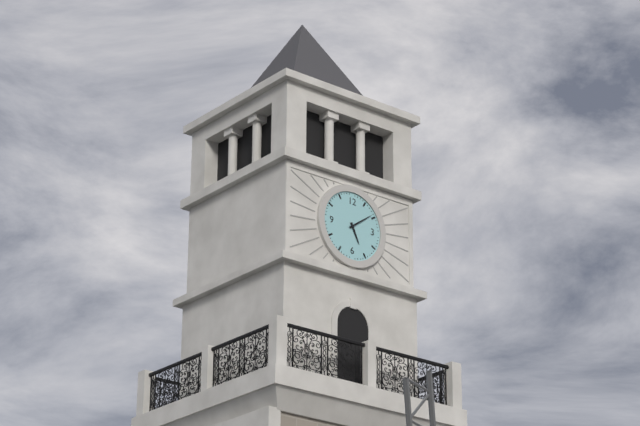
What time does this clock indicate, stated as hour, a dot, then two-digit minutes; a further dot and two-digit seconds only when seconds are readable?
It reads 5.09
